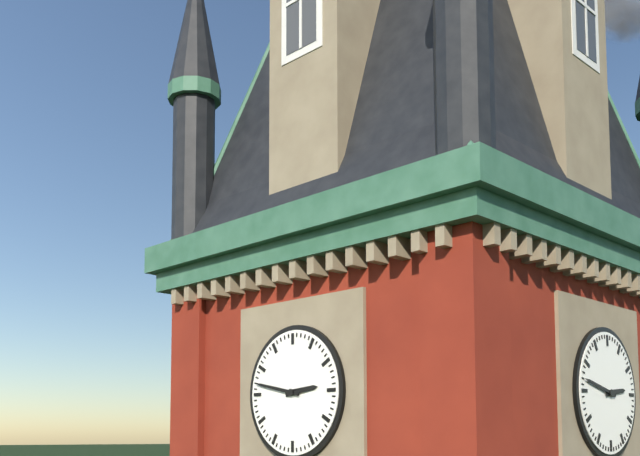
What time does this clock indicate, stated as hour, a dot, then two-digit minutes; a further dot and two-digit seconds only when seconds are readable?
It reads 2.47
